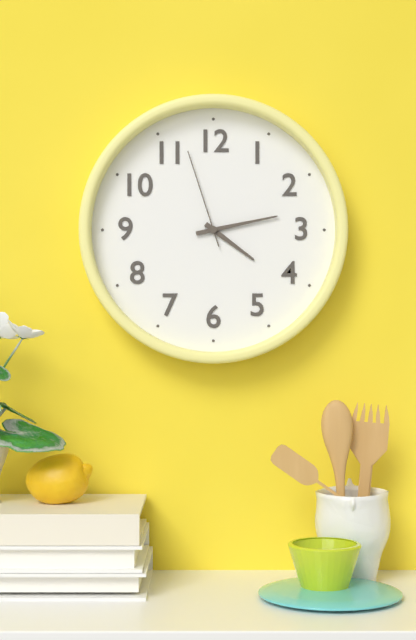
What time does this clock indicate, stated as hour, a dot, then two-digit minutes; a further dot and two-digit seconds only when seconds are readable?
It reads 4.13.57
